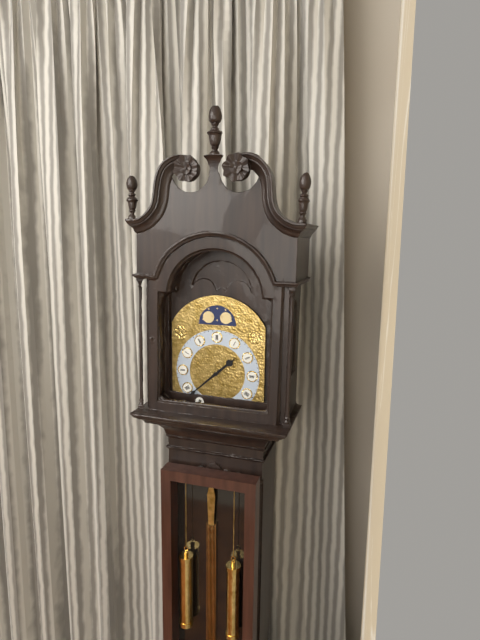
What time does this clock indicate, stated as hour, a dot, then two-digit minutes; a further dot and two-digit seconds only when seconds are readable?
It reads 1.38
